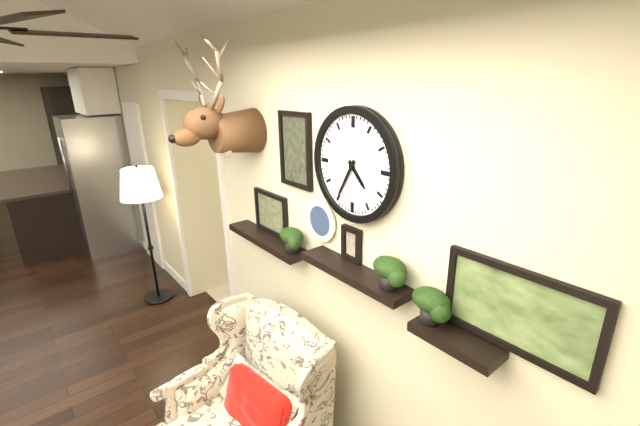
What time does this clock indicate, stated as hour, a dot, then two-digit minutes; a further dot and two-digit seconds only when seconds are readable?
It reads 4.35
